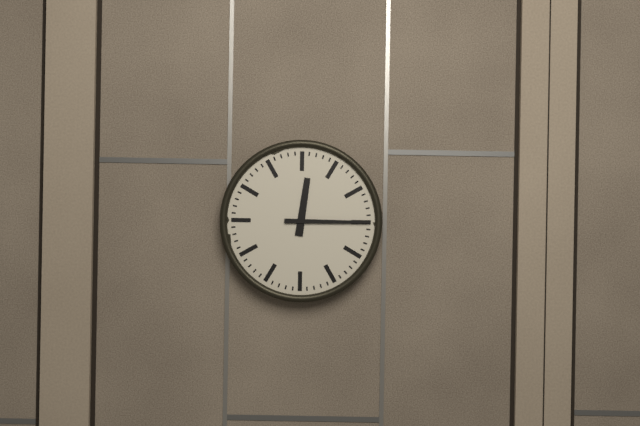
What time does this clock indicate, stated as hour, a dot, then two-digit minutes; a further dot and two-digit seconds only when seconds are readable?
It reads 12.15
